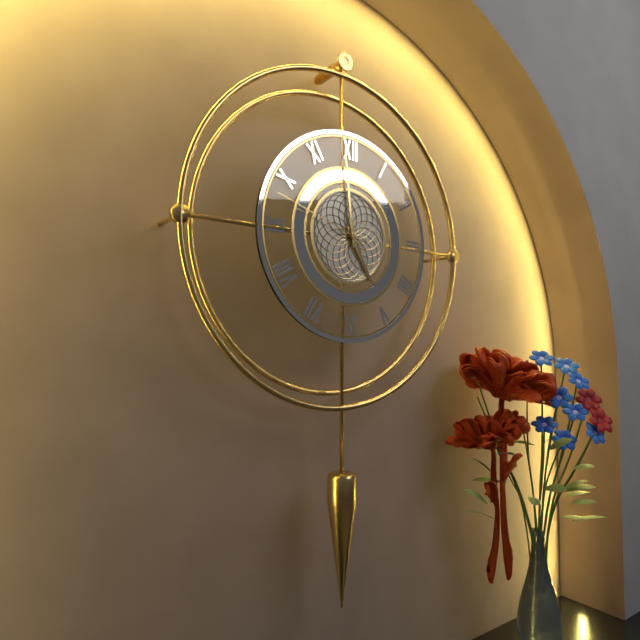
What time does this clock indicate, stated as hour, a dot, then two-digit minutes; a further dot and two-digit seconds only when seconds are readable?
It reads 4.59.48
